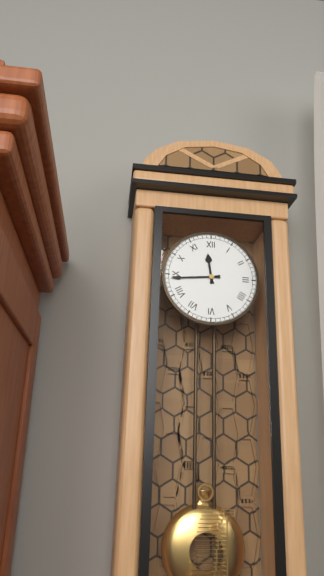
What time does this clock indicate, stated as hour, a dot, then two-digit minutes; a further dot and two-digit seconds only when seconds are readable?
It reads 11.44
